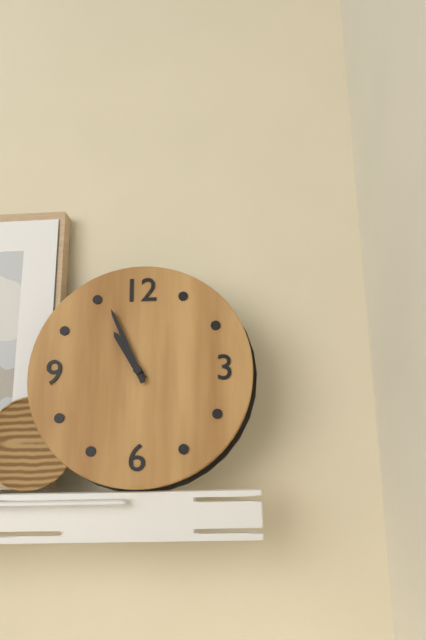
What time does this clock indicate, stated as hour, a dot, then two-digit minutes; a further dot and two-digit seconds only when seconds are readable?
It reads 10.56
